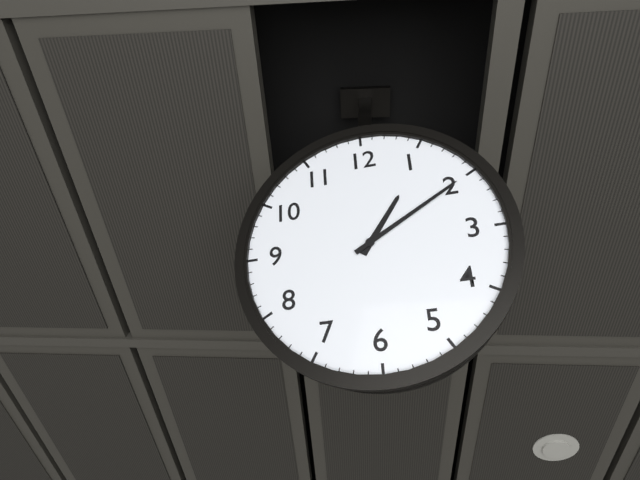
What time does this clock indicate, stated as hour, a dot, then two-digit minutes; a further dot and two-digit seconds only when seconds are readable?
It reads 1.10
